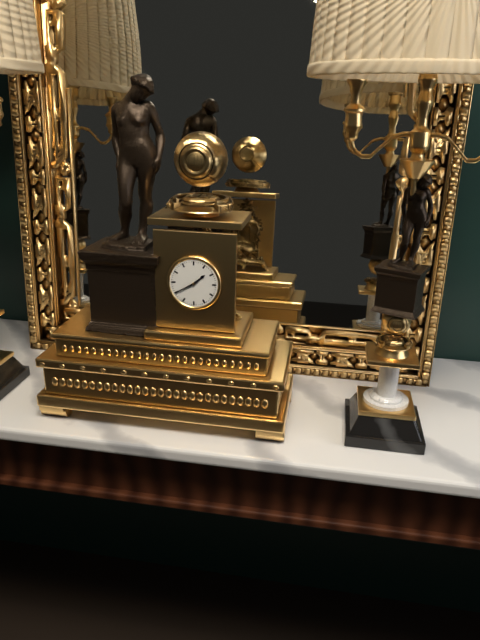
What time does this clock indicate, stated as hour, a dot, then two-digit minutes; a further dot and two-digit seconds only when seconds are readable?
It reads 1.40
